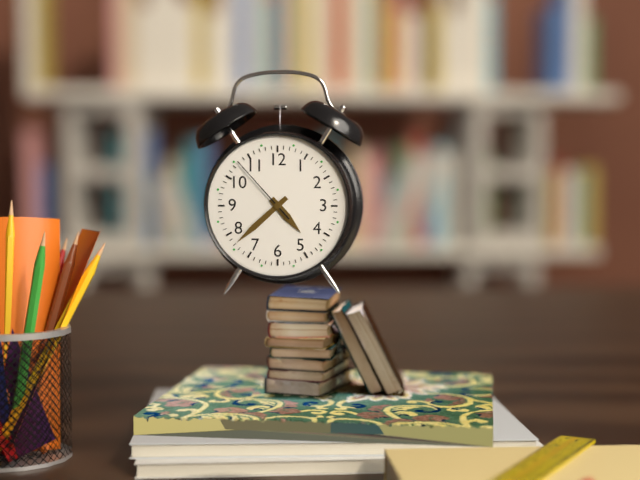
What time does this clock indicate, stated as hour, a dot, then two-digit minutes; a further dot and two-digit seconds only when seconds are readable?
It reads 4.38.53
